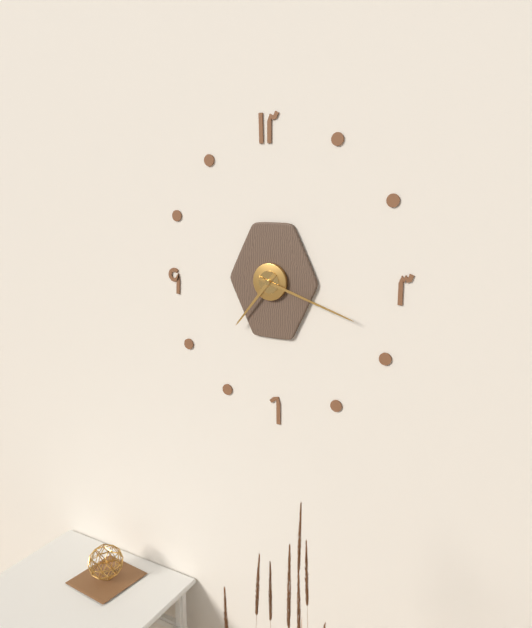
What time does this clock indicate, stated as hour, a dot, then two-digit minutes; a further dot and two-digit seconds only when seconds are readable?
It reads 7.18
